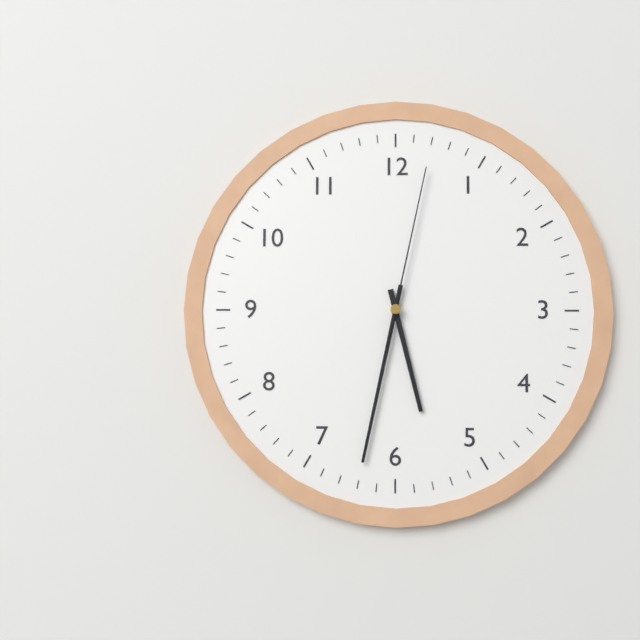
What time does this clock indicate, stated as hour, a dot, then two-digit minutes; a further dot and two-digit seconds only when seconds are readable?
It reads 5.32.02
